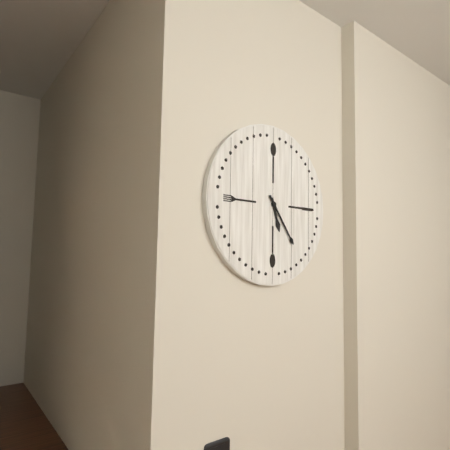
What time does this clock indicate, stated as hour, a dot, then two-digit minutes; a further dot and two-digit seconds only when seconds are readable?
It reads 5.24
